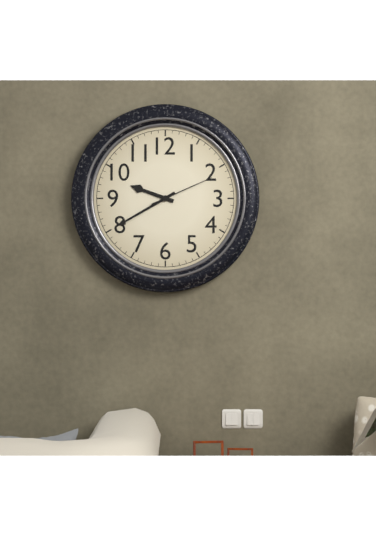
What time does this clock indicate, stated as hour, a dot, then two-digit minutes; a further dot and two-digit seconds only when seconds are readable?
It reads 9.40.11
